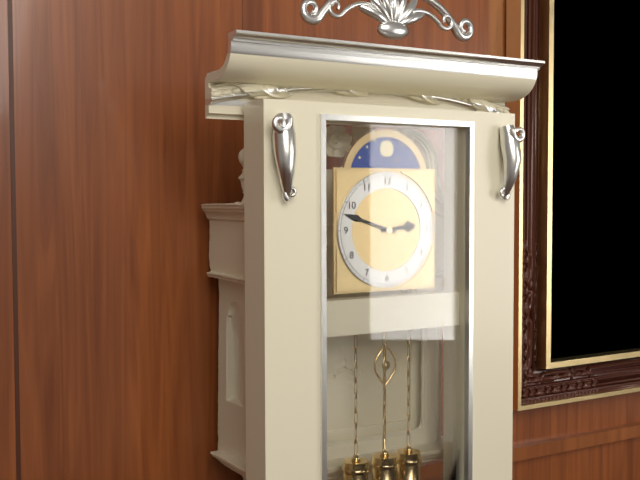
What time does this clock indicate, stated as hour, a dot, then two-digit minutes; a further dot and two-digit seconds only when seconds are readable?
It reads 2.48
